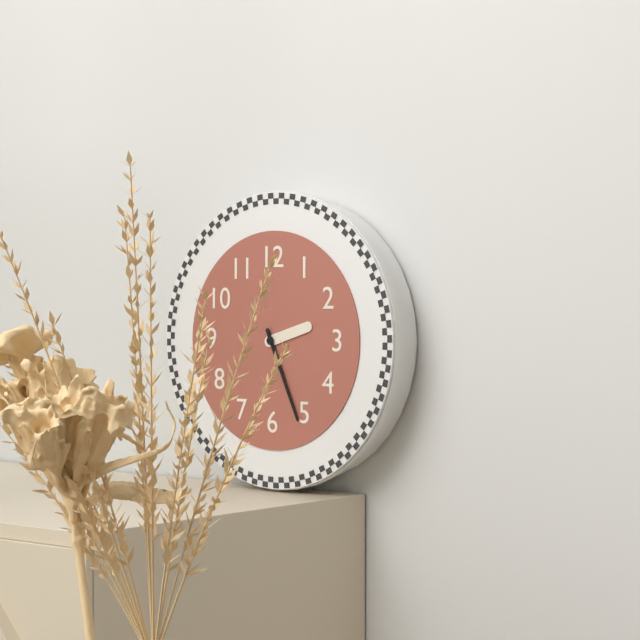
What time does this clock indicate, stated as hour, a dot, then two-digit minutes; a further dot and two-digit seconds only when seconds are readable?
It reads 2.26
